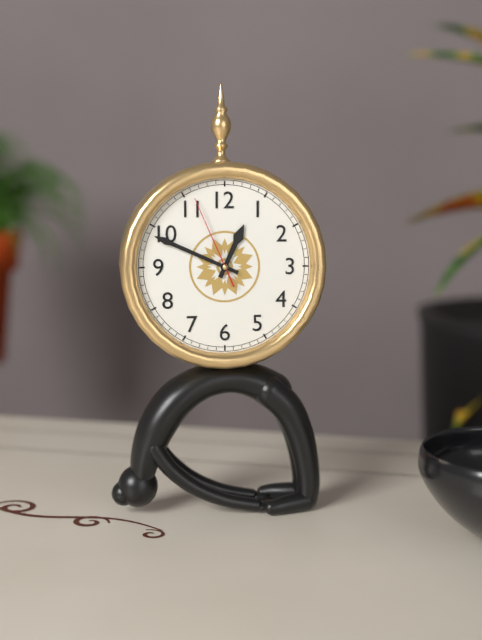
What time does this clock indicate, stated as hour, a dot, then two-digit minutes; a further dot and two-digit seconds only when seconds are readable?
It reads 12.49.56
